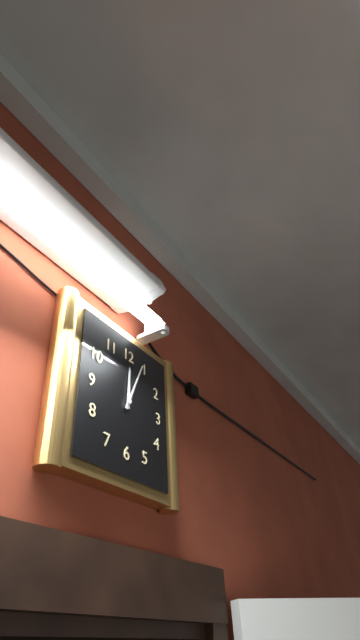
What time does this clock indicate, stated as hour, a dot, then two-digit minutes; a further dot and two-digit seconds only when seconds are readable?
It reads 12.04
